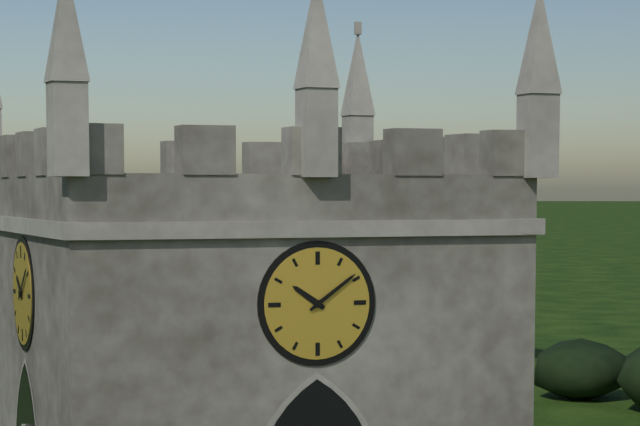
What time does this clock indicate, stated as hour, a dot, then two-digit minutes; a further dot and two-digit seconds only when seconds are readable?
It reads 10.09
